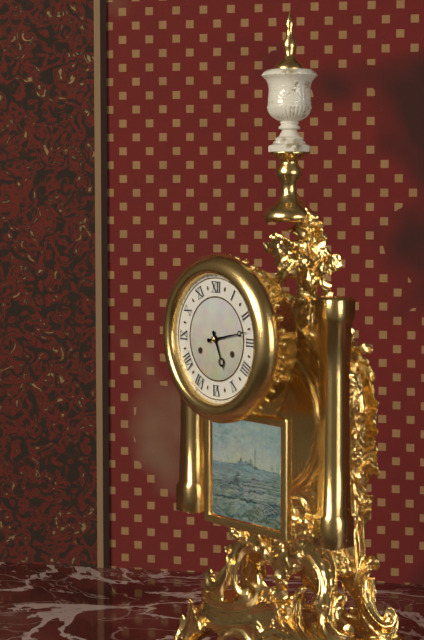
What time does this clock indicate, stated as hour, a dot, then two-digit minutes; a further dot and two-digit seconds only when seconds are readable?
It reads 5.13
